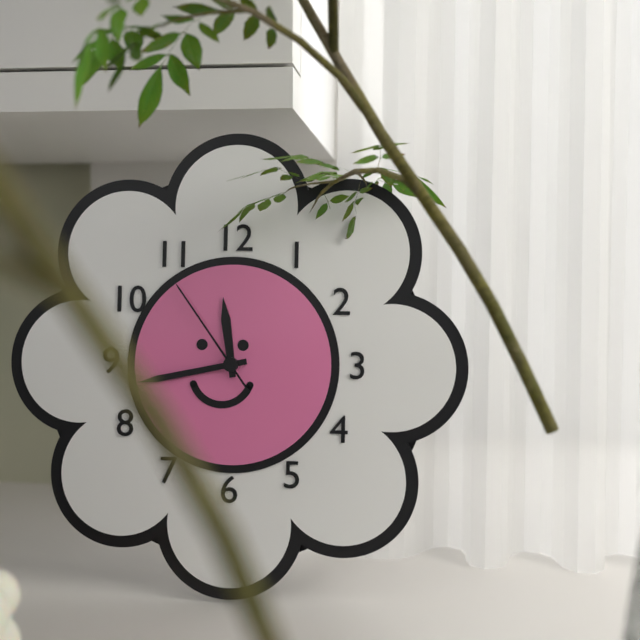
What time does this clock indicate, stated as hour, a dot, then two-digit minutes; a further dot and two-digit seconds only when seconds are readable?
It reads 11.43.54
